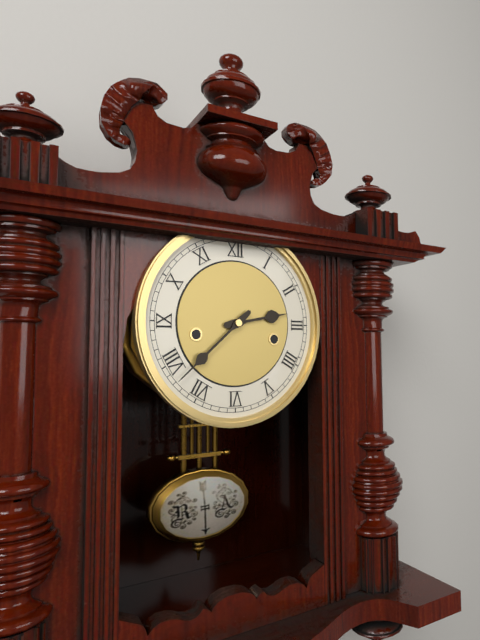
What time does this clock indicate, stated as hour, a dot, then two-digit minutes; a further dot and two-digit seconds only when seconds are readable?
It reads 2.38
